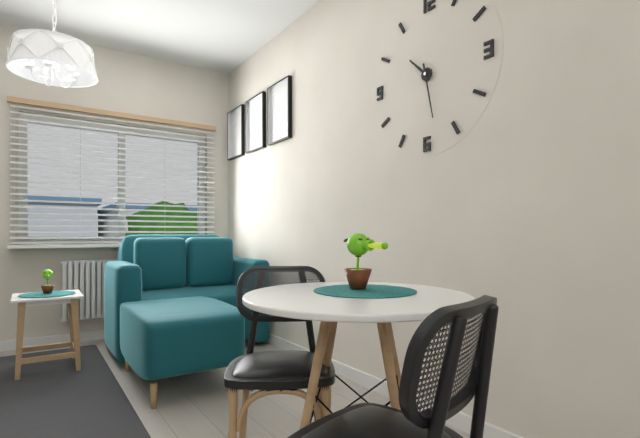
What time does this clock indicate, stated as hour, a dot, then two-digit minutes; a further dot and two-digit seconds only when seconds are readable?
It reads 10.28
